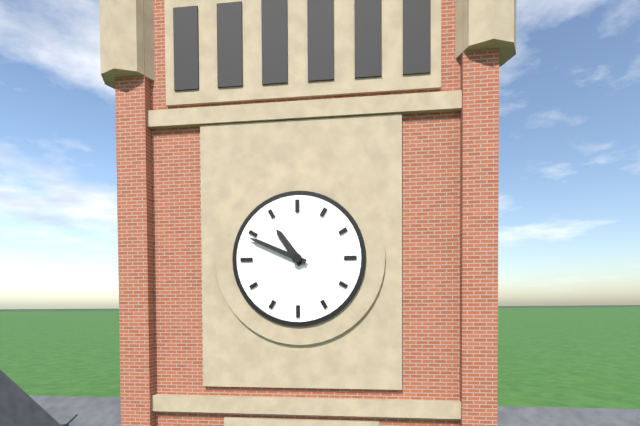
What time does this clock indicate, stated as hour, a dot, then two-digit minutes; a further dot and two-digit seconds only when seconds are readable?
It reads 10.49
